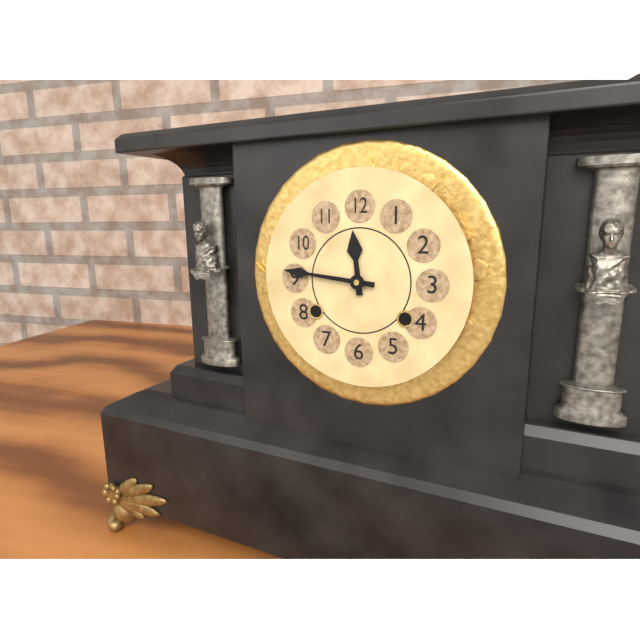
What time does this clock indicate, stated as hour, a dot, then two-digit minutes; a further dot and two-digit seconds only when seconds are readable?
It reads 11.46
